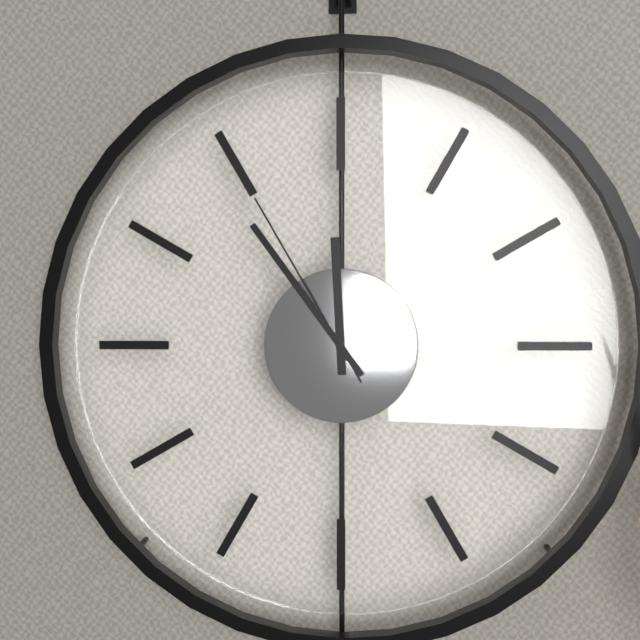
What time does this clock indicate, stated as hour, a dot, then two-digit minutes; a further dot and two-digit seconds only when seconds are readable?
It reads 11.54.55
